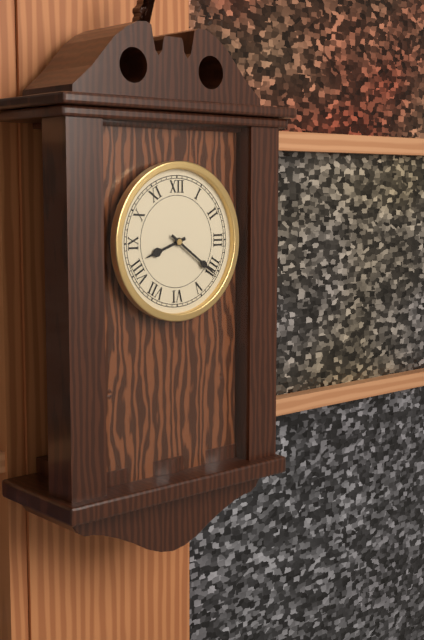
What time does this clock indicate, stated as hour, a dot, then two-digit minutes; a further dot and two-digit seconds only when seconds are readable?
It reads 8.21
